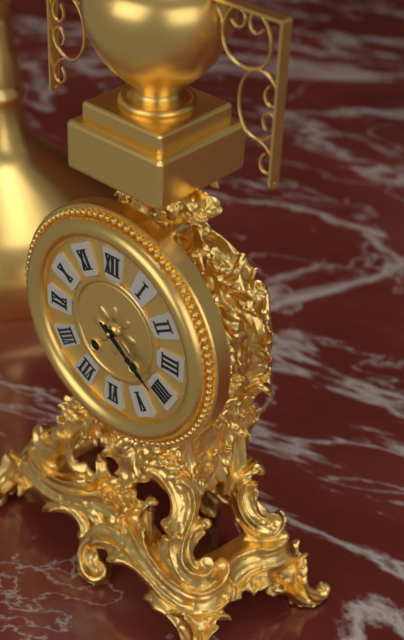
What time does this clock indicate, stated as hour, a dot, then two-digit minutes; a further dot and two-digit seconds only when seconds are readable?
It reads 4.21
